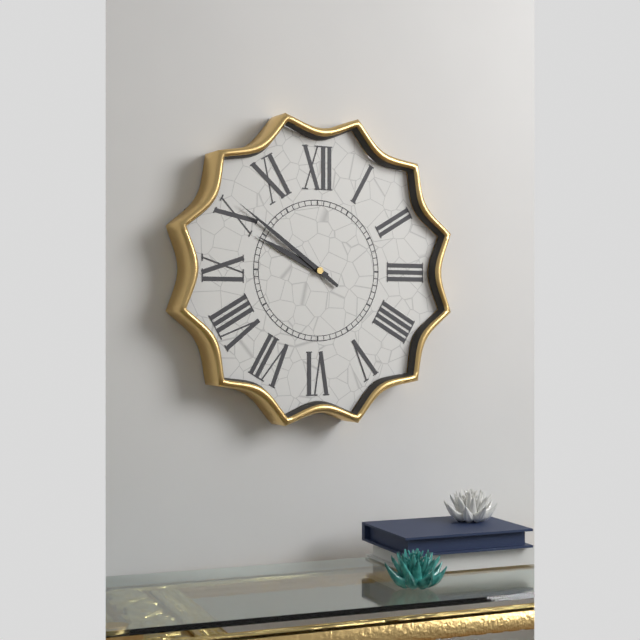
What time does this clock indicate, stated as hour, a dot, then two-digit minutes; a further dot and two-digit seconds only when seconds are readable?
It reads 9.51
